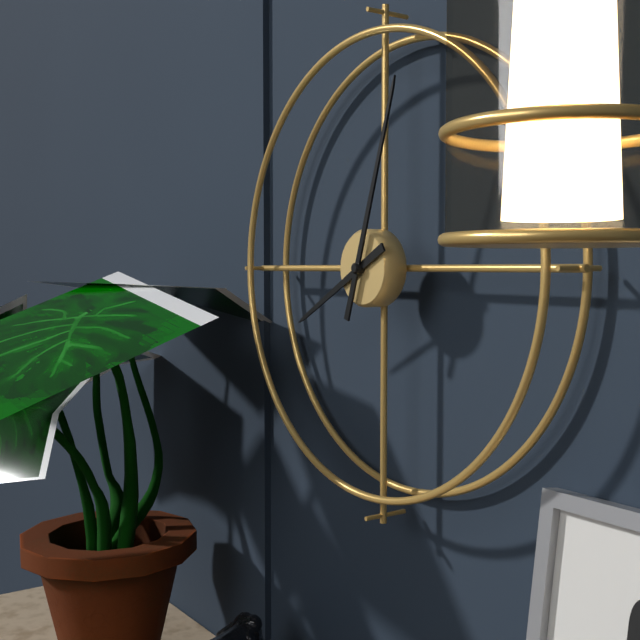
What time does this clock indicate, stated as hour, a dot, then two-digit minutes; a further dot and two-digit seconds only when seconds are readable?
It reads 8.03
